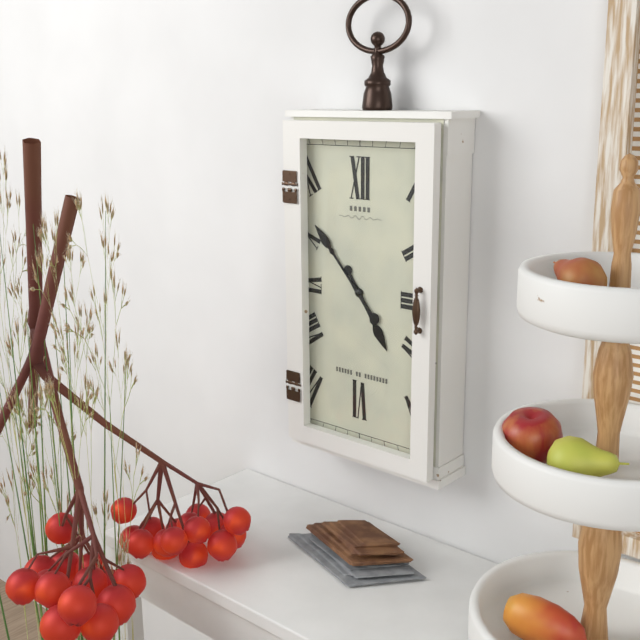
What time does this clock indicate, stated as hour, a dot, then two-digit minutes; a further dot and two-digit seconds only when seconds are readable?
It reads 4.53
